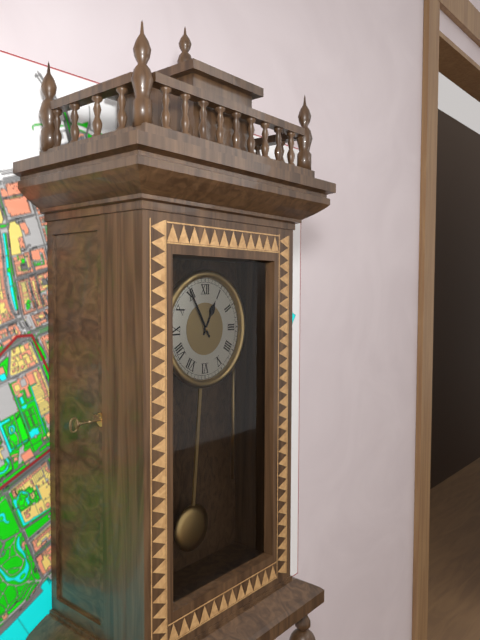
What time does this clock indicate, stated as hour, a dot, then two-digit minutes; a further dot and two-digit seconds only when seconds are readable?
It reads 12.55
